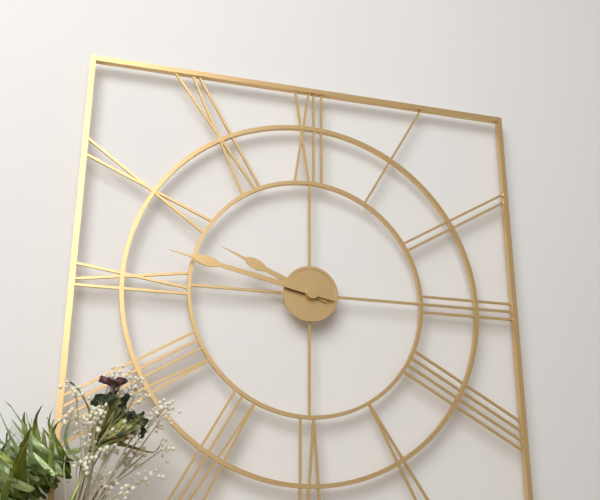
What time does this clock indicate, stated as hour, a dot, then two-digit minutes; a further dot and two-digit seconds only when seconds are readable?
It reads 9.47
